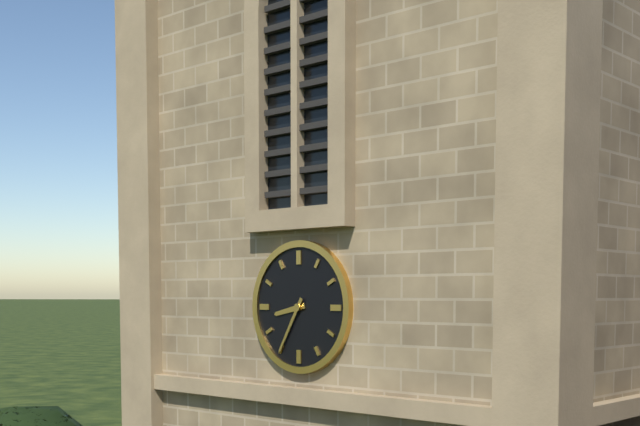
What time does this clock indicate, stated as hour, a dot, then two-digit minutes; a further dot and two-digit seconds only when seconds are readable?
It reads 8.35
